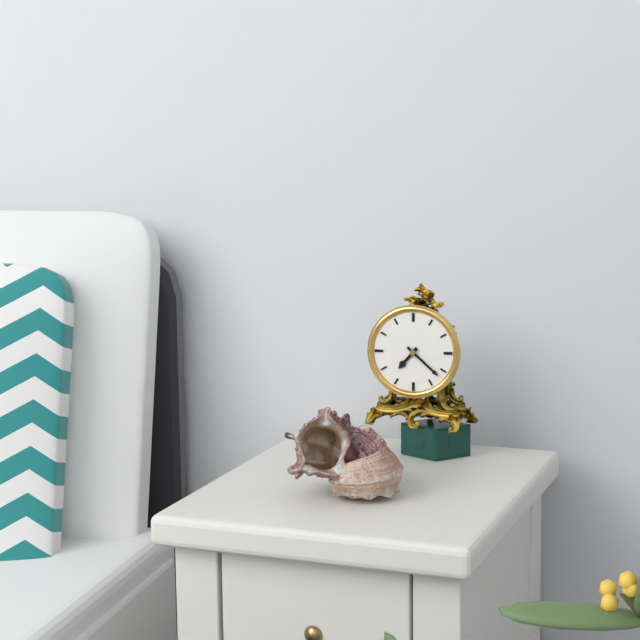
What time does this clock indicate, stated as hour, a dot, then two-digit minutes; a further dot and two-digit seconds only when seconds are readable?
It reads 7.22
